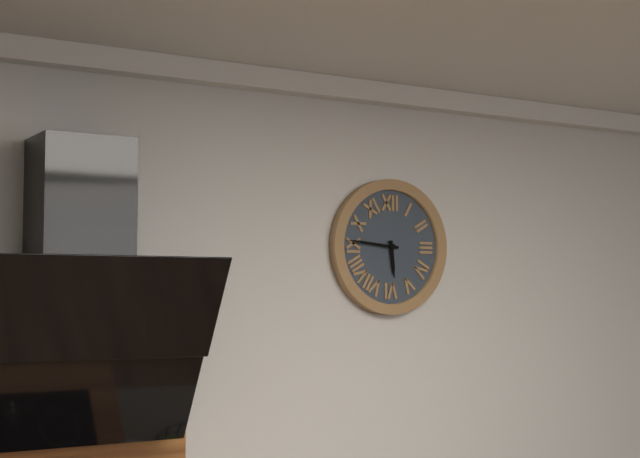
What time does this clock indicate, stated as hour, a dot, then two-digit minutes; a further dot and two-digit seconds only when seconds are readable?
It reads 5.46
